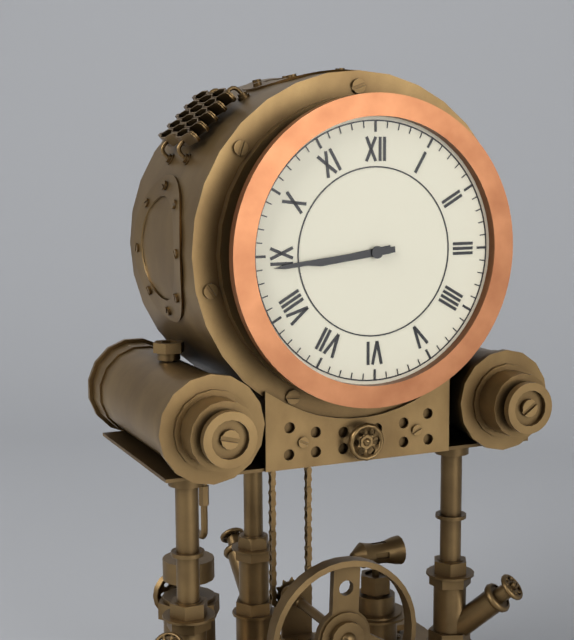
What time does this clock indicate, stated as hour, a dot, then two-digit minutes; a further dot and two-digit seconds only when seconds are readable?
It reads 8.44
